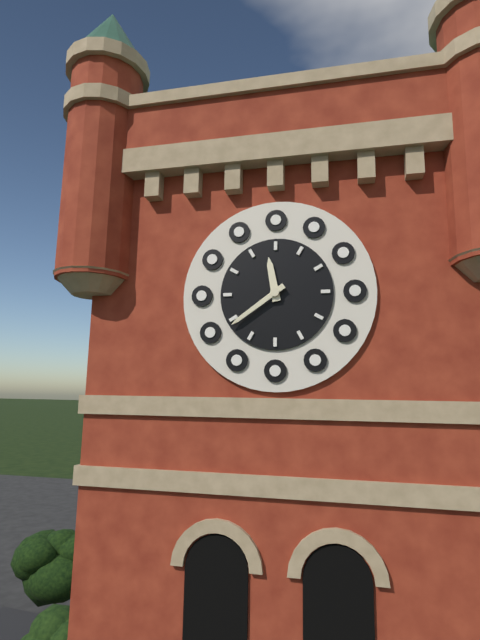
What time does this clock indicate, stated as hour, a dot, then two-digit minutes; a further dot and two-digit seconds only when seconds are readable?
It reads 11.39
